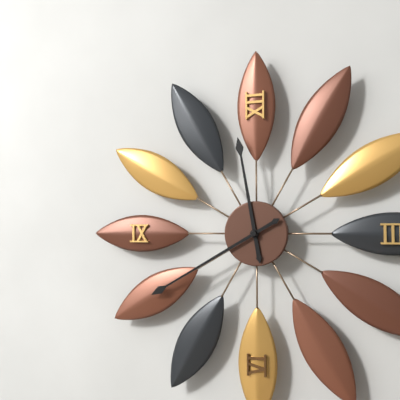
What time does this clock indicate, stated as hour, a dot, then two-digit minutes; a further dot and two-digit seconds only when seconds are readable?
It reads 11.40
